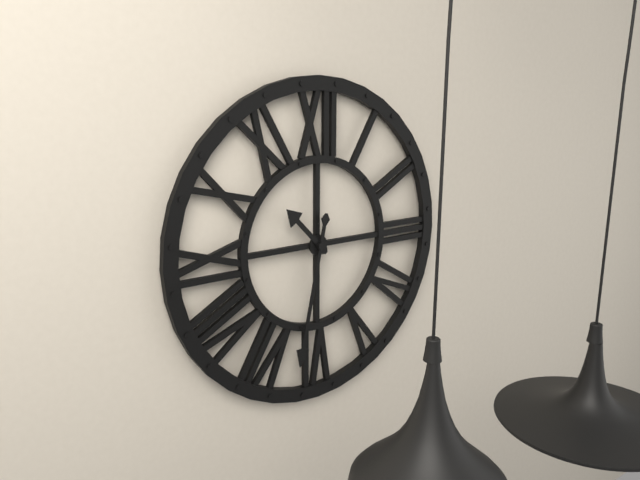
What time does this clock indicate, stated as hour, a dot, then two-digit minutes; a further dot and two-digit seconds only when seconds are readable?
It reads 10.32
